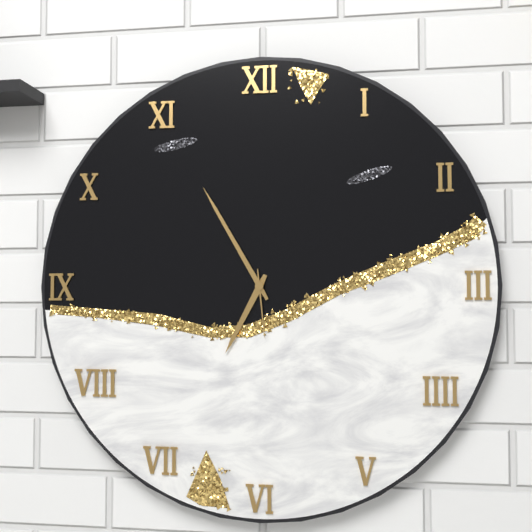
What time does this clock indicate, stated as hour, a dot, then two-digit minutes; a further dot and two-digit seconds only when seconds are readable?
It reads 6.55.29
